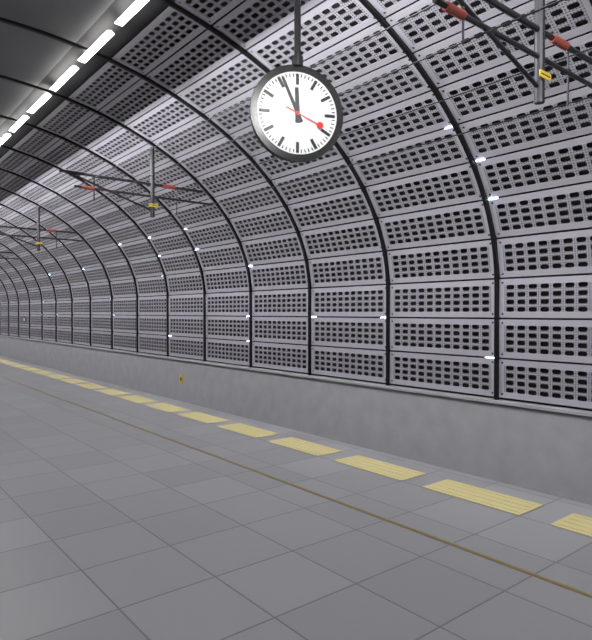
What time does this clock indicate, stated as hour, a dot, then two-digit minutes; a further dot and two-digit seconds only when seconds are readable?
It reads 11.56
